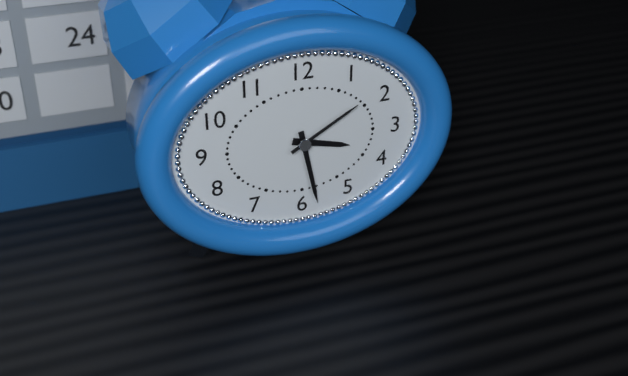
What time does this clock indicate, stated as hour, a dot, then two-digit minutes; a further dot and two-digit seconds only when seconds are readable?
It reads 3.28.10
